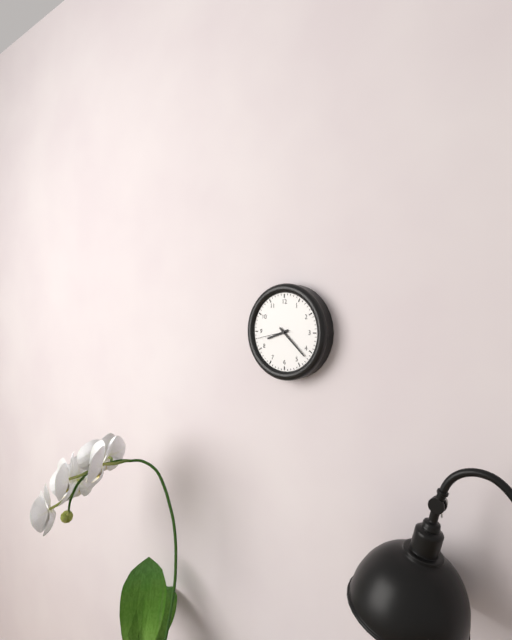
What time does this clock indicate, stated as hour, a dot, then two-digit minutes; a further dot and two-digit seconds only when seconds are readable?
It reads 8.22
